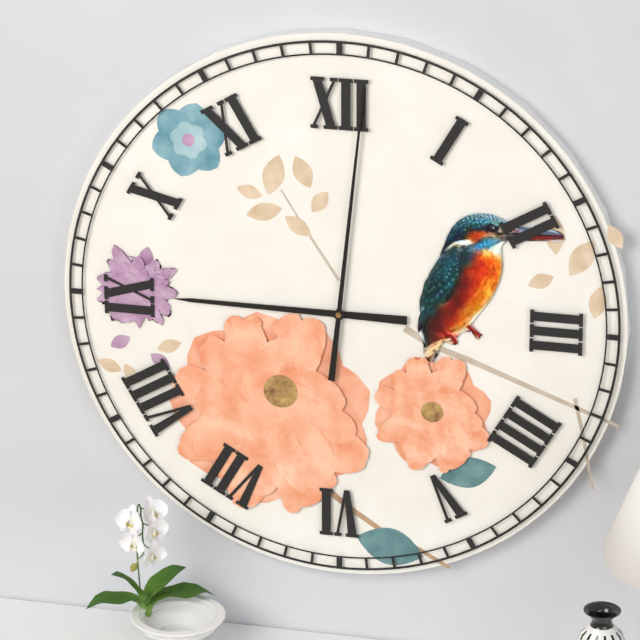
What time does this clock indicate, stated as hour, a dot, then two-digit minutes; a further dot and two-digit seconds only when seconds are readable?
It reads 9.01
